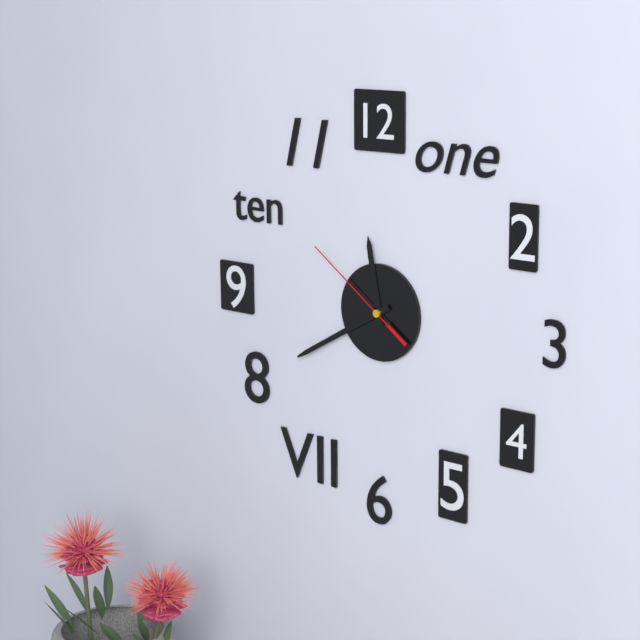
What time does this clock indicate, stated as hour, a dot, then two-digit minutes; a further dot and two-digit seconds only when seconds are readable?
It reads 11.40.51
